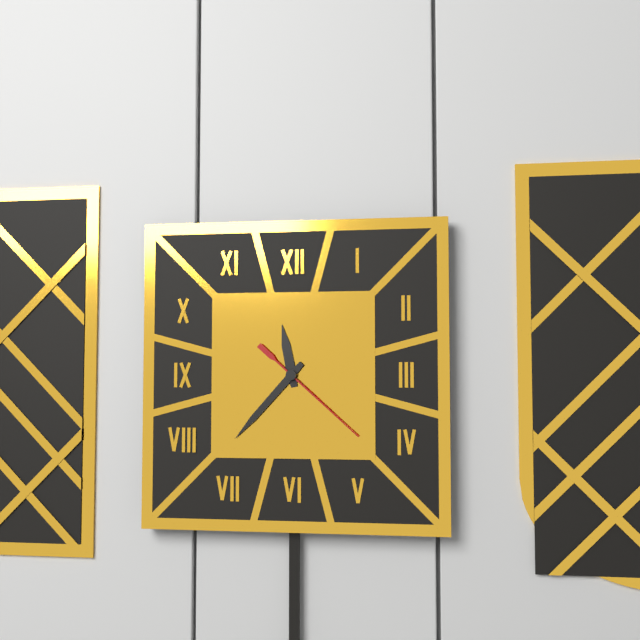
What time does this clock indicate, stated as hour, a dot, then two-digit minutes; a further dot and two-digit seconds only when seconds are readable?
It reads 11.37.22
